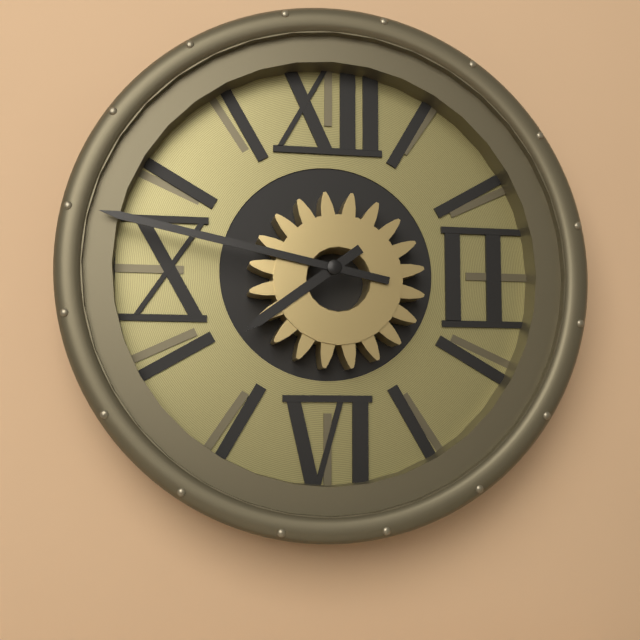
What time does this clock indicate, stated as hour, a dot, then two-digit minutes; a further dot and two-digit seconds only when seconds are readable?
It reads 7.47
